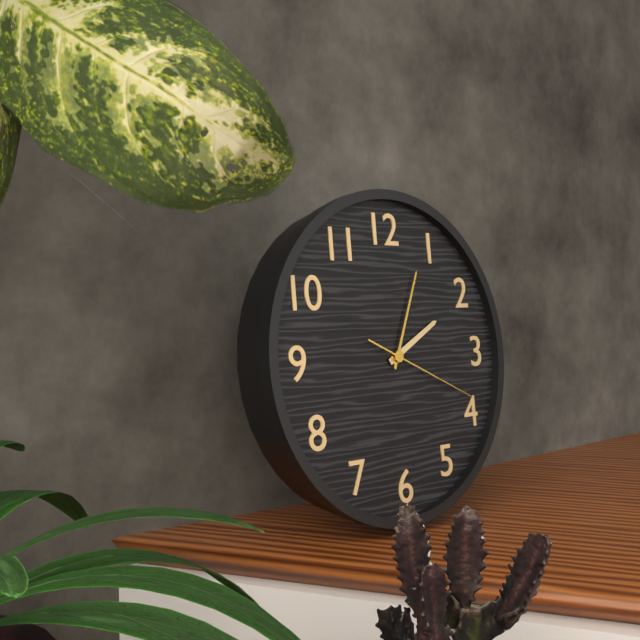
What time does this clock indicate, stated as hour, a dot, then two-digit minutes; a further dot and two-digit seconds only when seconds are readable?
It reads 2.04.19
